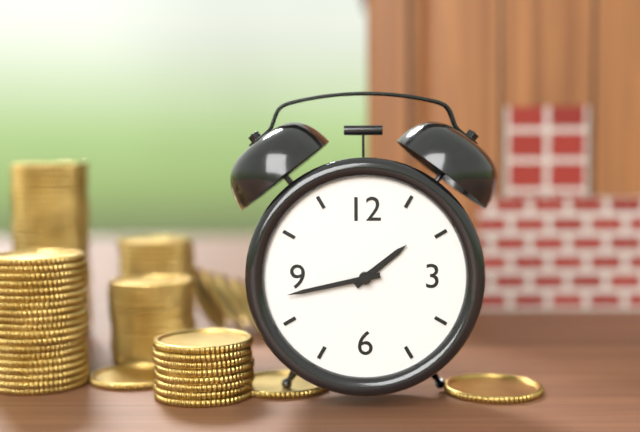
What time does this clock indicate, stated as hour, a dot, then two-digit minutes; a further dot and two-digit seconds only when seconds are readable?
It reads 1.43
